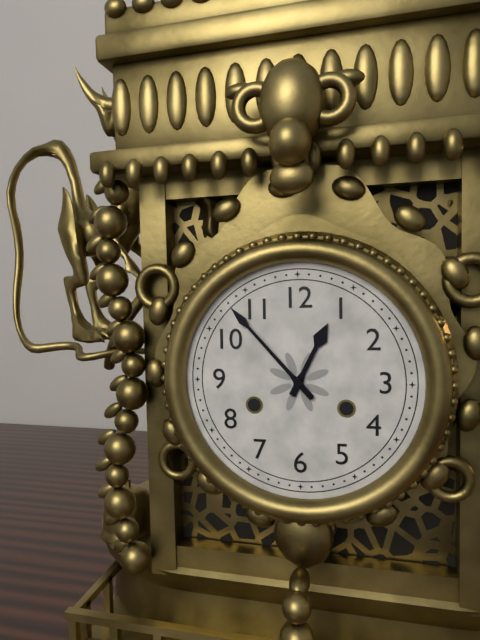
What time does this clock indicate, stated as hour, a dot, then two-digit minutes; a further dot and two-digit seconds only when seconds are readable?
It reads 12.53
